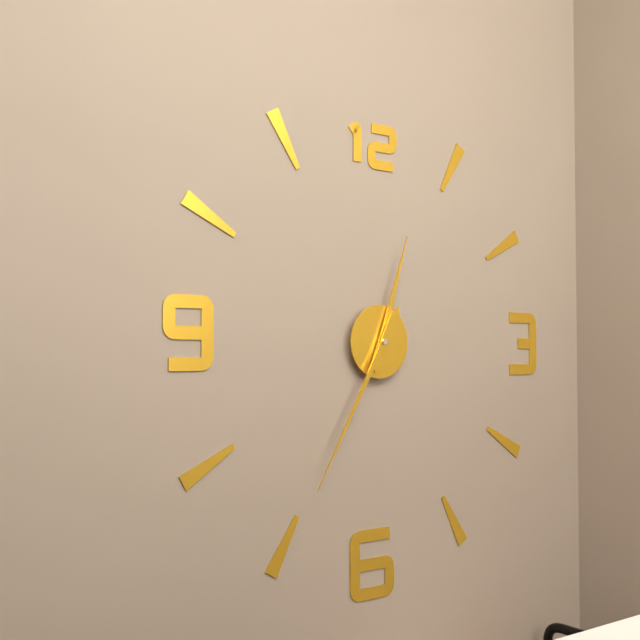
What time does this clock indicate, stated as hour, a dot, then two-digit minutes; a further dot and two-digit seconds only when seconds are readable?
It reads 12.35
